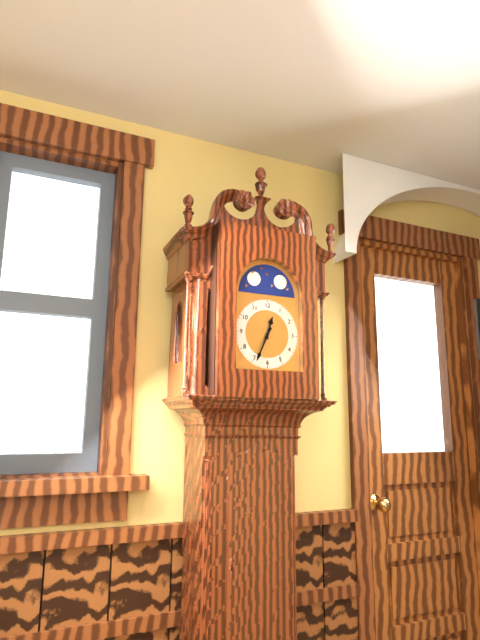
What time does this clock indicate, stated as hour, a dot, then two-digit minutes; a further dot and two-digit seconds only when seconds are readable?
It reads 12.34
